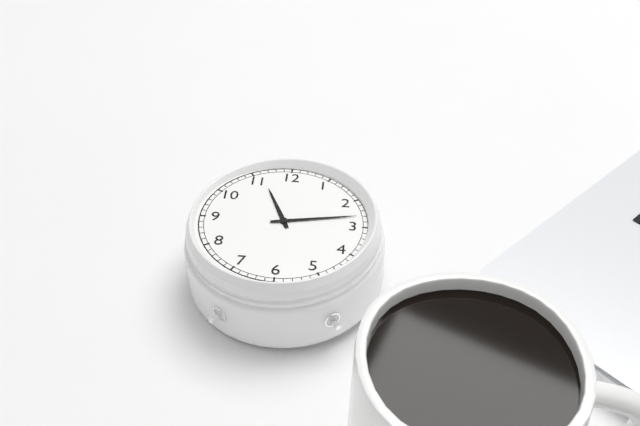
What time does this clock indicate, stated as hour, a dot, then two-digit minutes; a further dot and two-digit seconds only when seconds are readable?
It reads 11.13
